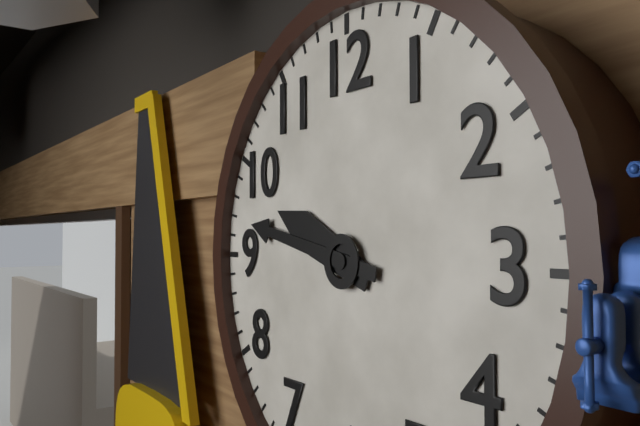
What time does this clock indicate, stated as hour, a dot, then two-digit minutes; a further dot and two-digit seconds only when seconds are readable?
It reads 9.47
